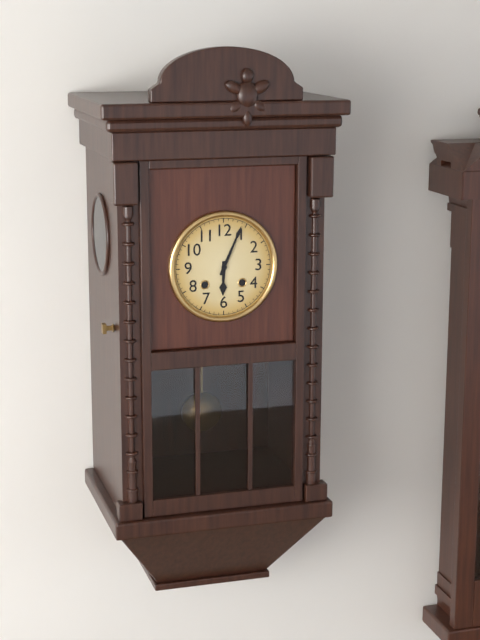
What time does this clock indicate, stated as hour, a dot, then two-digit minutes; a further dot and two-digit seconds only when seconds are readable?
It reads 6.04
